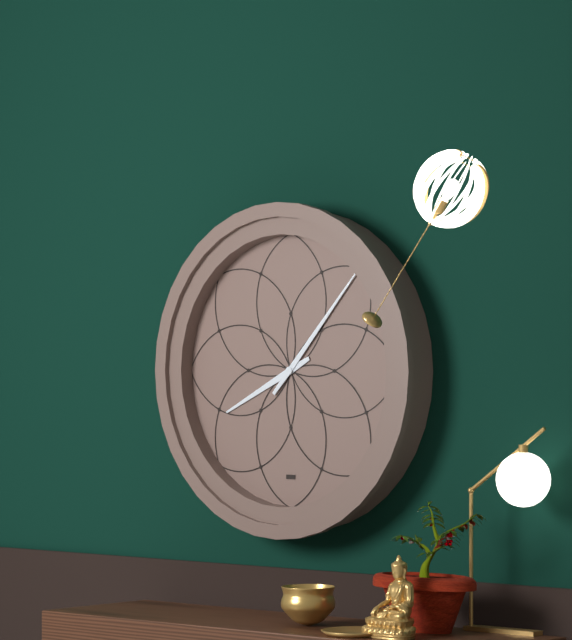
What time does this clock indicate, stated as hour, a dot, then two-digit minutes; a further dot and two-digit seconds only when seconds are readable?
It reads 8.07
